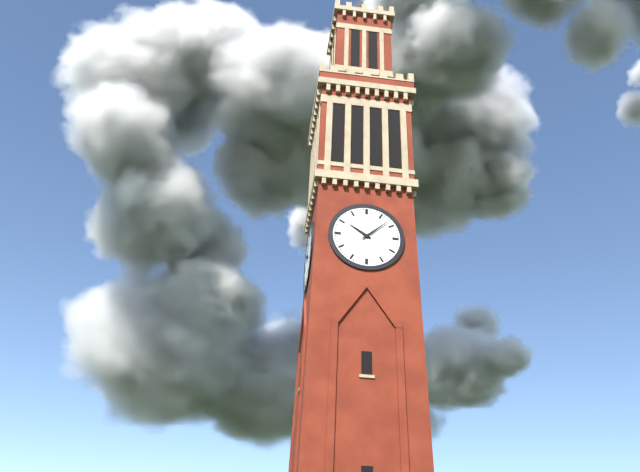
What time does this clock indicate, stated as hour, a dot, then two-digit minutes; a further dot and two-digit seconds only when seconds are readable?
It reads 10.08
